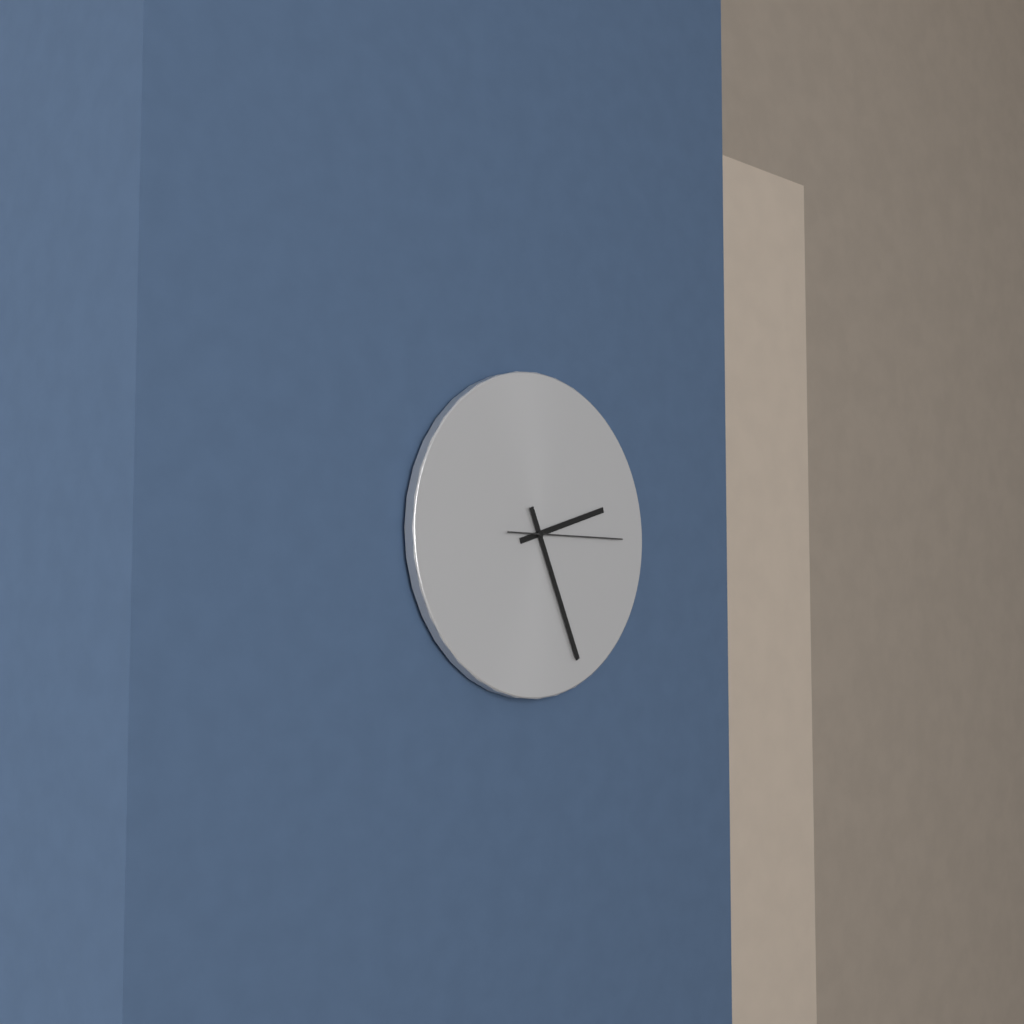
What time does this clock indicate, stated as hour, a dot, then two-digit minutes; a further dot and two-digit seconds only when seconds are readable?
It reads 2.26.15
